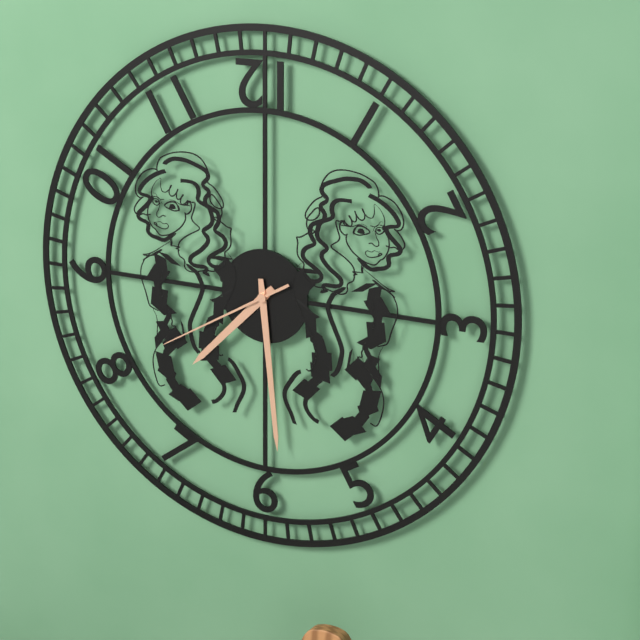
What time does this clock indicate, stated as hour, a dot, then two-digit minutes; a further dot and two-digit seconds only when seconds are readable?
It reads 7.29.40
